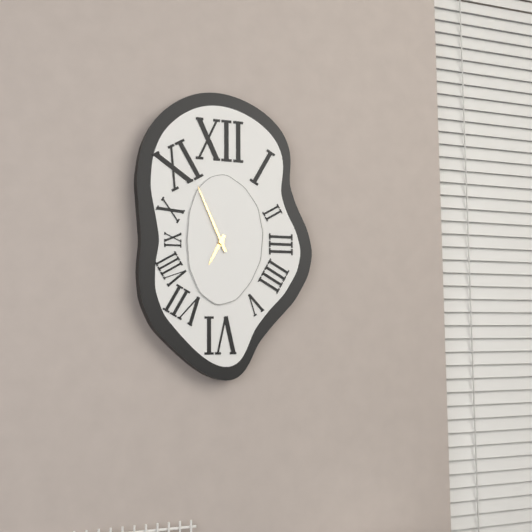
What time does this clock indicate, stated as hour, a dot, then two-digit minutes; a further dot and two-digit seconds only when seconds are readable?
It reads 6.56
